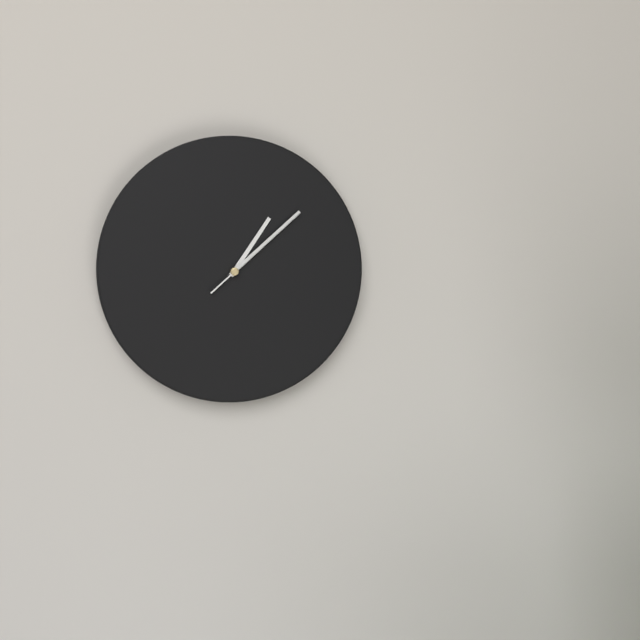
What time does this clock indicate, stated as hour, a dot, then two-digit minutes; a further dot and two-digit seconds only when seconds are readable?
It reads 1.08.08
